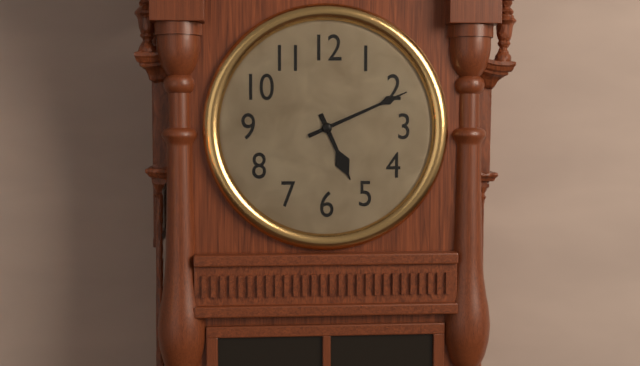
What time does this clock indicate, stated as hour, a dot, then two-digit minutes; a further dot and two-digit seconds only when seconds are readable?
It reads 5.11
